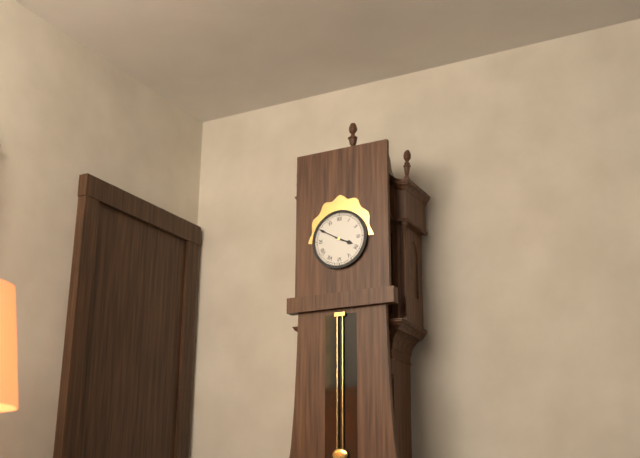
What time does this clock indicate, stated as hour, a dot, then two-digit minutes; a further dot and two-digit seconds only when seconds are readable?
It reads 3.50
